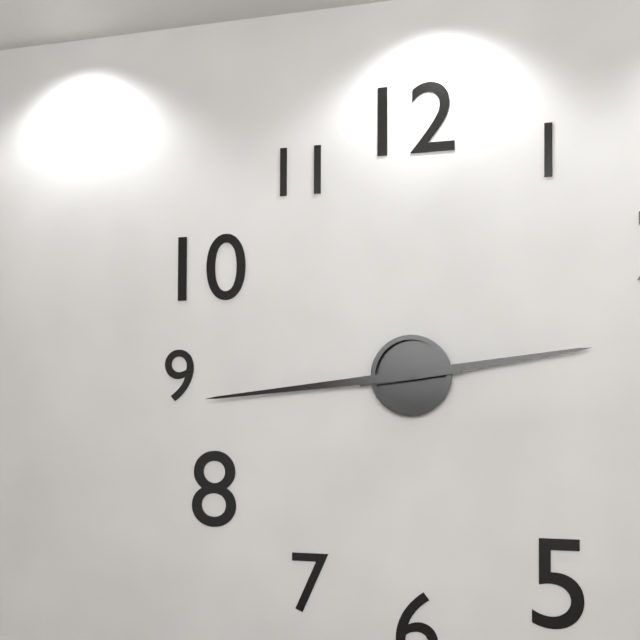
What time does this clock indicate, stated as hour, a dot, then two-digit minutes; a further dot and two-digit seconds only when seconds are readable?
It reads 2.44
